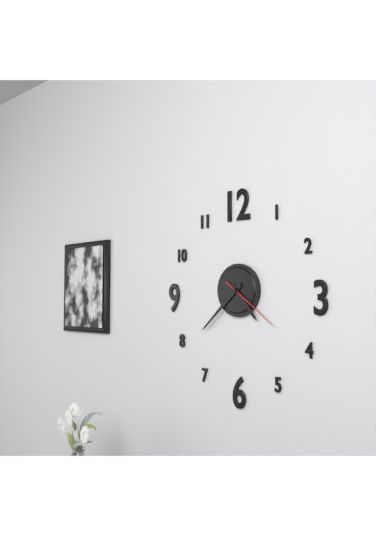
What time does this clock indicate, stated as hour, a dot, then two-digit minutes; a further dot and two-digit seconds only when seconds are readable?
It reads 4.38.21
